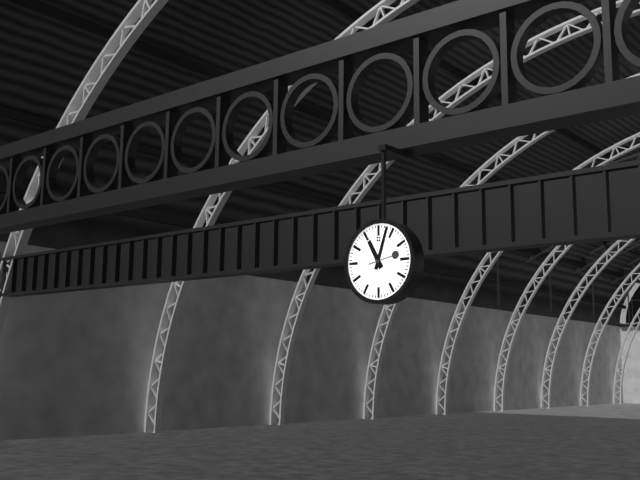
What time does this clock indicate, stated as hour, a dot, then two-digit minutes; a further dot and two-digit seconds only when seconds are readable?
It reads 11.03
